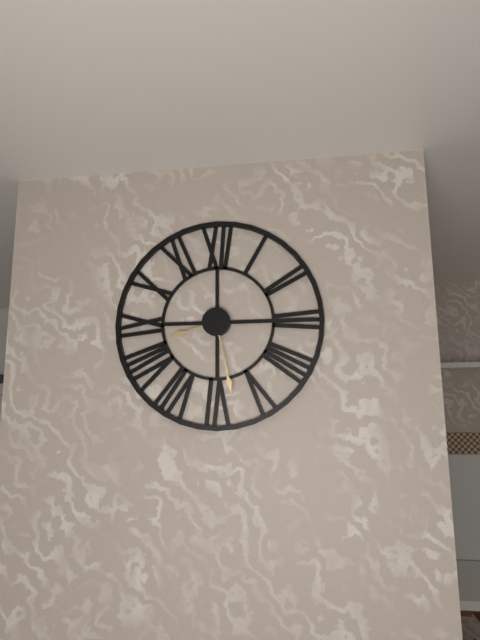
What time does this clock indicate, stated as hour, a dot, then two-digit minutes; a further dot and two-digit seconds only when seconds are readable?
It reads 8.28
